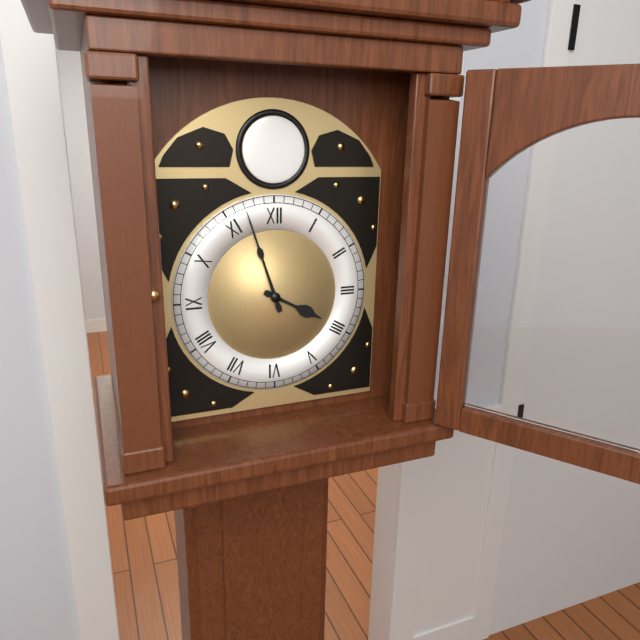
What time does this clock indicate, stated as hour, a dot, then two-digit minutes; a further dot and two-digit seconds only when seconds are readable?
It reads 3.57
